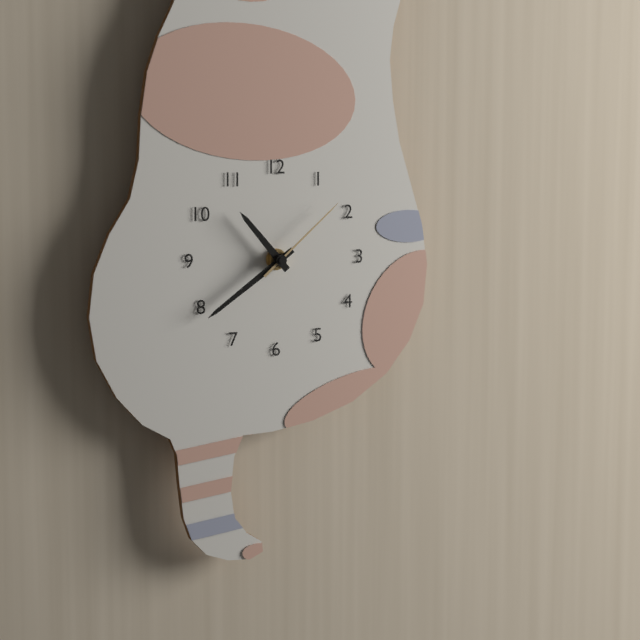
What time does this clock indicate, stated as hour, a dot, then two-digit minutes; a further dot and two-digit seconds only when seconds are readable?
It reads 10.39.08
